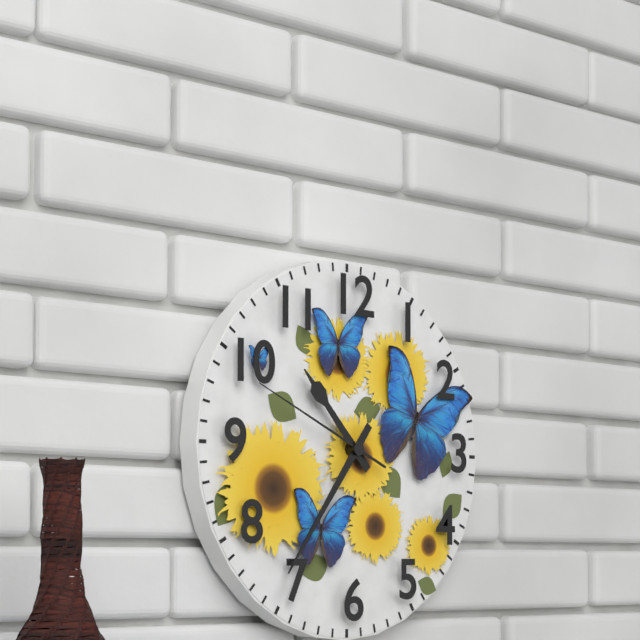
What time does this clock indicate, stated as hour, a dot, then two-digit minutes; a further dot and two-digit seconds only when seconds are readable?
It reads 10.36.49
